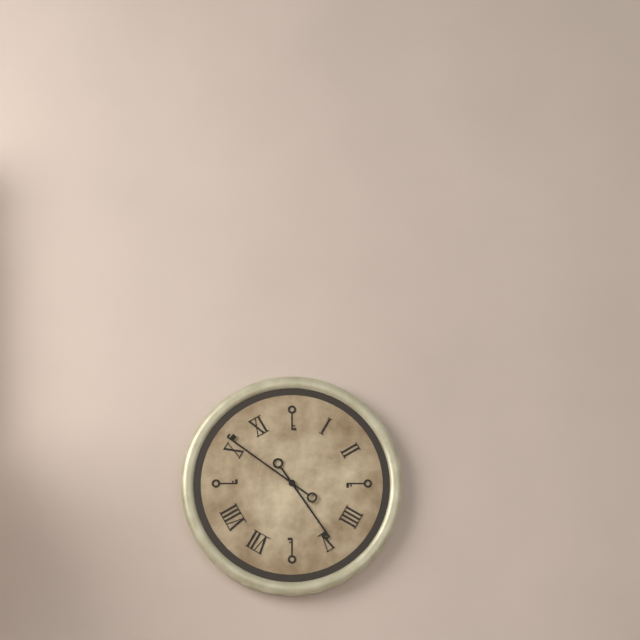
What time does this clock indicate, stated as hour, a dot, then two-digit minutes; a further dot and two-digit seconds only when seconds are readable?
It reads 4.51
